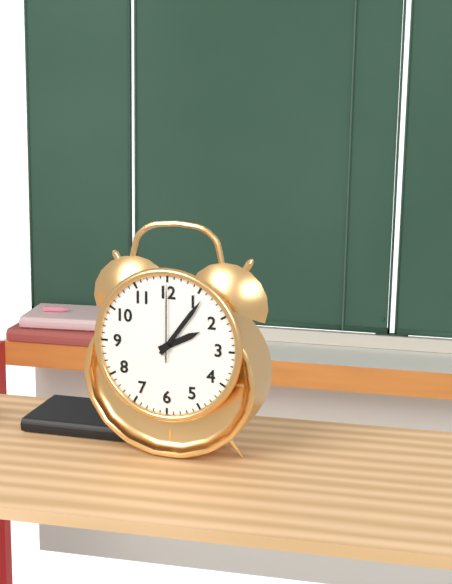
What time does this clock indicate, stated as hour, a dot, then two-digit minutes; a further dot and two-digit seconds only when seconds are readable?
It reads 2.06.00
